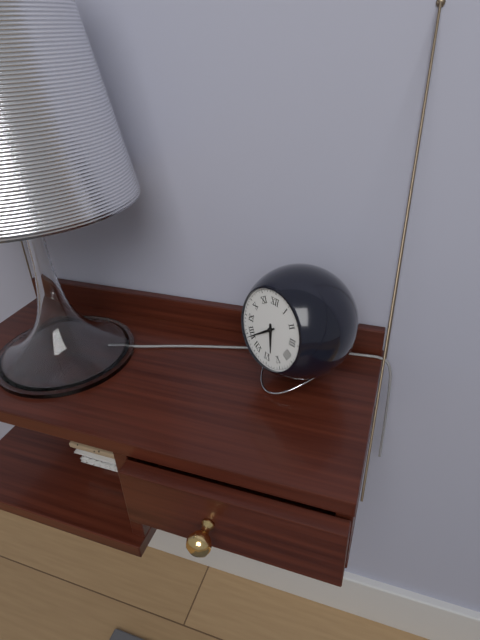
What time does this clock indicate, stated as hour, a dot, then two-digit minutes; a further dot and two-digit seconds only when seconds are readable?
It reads 5.39
